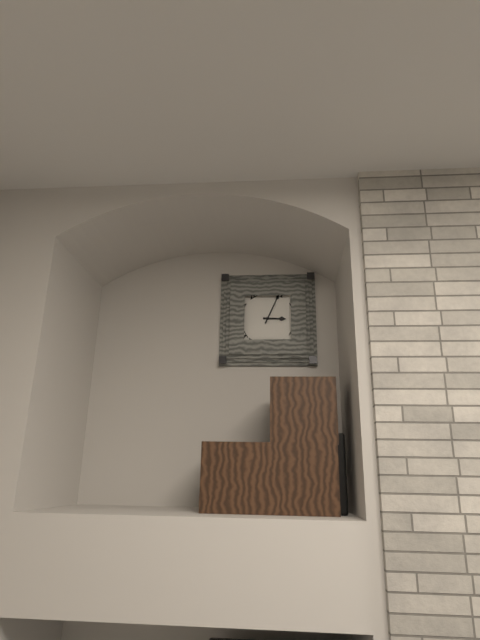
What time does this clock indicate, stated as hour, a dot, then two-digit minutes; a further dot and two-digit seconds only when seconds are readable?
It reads 3.04
